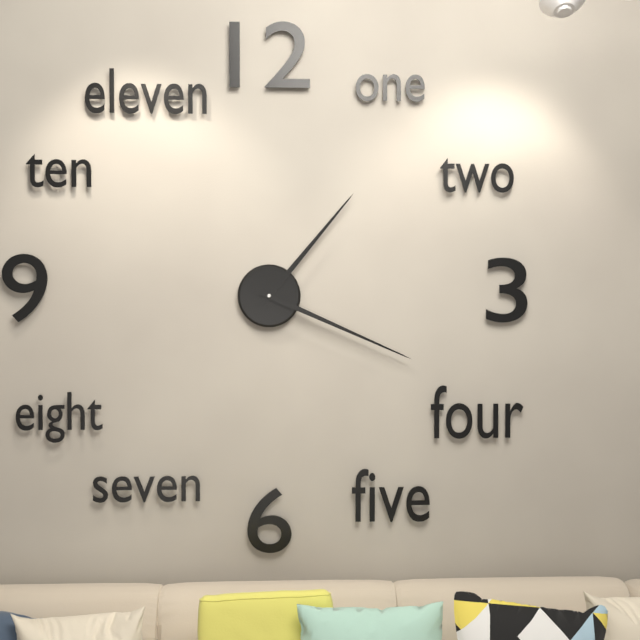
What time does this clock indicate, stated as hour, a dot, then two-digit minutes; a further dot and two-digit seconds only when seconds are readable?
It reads 1.19
